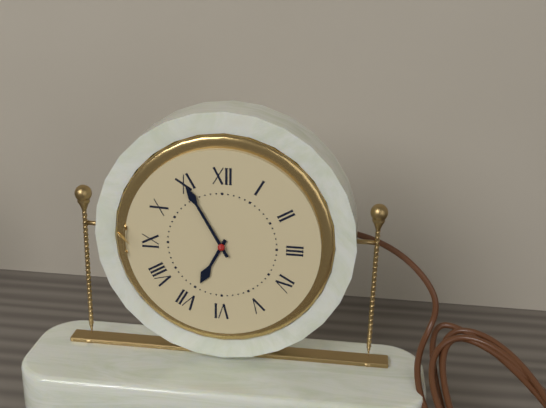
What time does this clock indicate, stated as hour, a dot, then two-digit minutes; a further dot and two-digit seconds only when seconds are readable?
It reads 6.55
